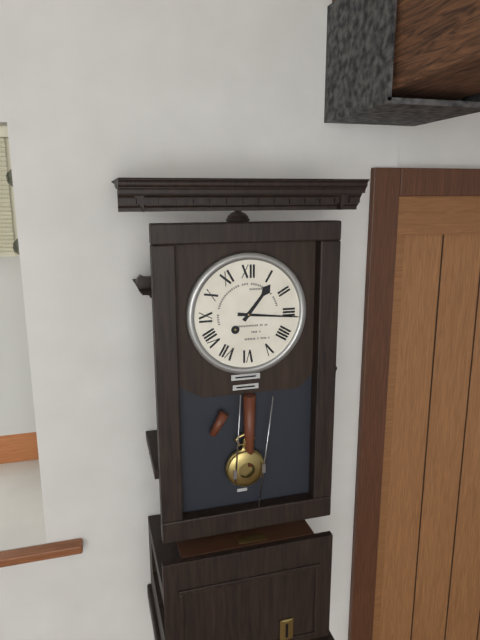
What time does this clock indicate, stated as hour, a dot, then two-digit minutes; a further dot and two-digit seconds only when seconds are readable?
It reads 1.16
